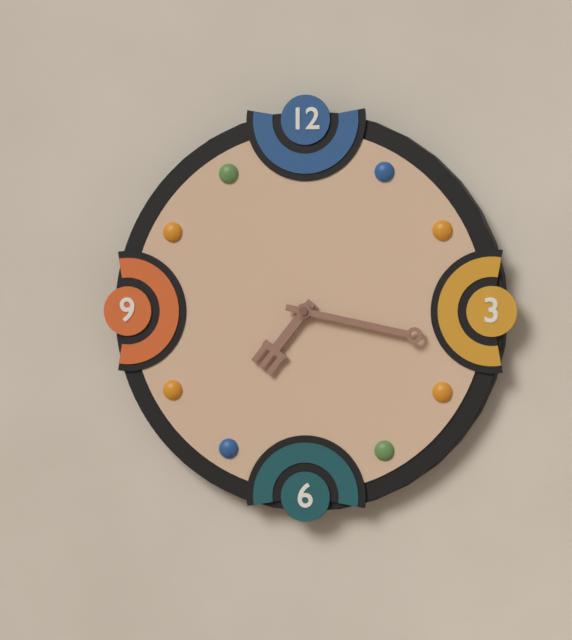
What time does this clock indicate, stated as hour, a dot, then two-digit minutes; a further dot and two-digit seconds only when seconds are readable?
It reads 7.17
